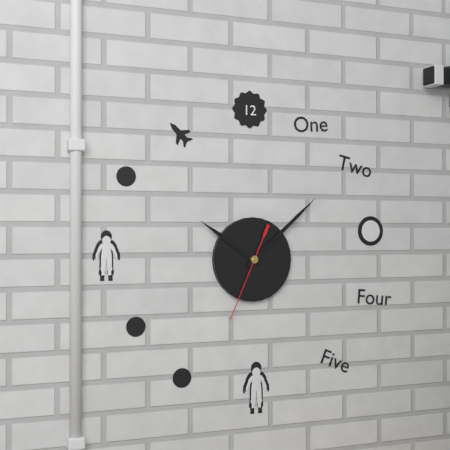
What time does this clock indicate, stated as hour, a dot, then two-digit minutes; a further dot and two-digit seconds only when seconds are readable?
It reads 10.08.34
